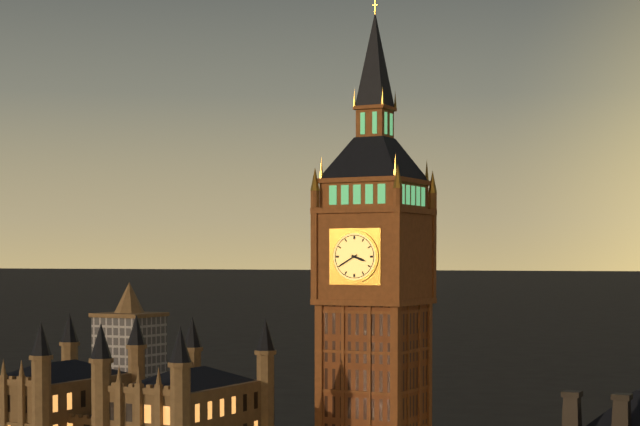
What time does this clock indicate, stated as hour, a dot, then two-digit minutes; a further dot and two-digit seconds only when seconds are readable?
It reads 3.40
